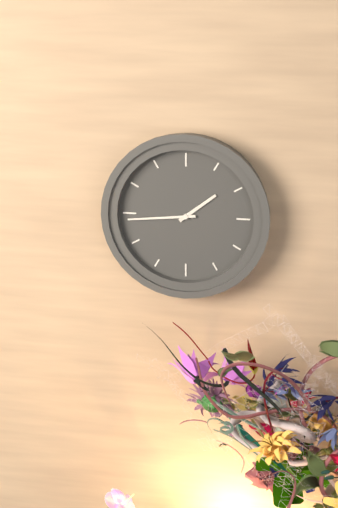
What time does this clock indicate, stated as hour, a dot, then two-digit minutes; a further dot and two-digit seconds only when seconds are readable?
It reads 1.44
